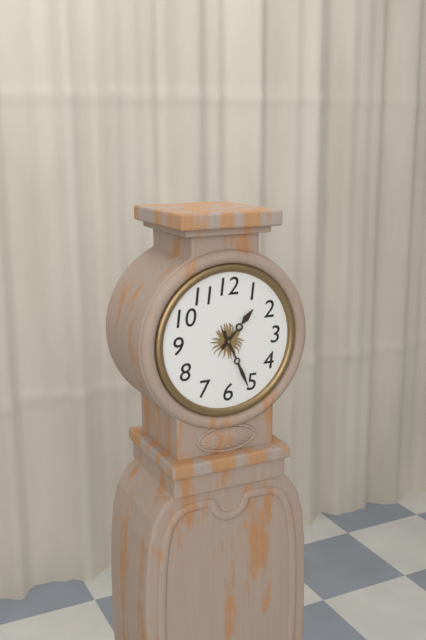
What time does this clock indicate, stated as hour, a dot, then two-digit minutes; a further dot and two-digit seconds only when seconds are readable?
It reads 1.26
